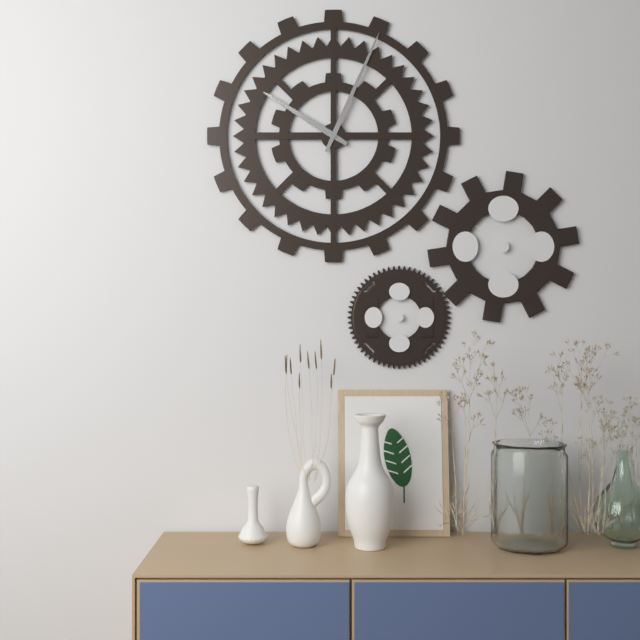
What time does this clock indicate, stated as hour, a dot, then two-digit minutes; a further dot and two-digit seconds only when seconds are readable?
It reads 10.04
